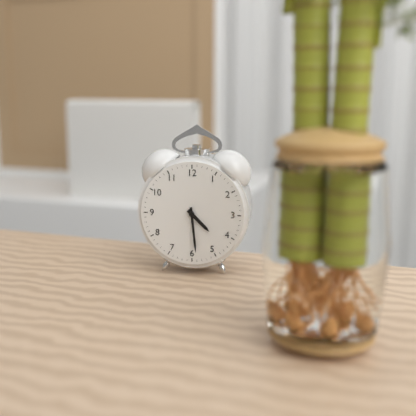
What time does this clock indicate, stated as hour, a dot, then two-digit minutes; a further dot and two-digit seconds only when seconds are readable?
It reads 4.29
